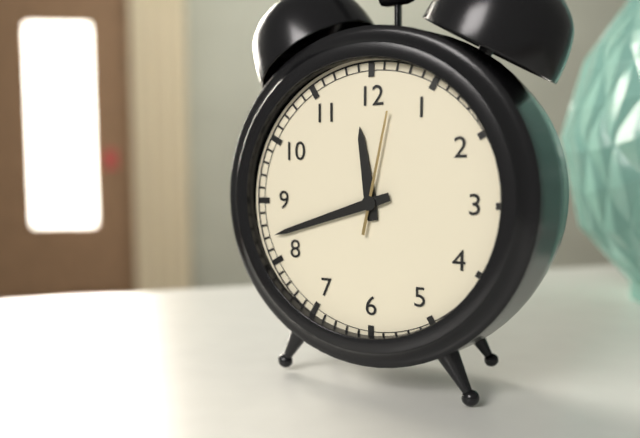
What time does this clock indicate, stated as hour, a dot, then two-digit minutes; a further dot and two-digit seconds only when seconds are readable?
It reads 11.42.02
